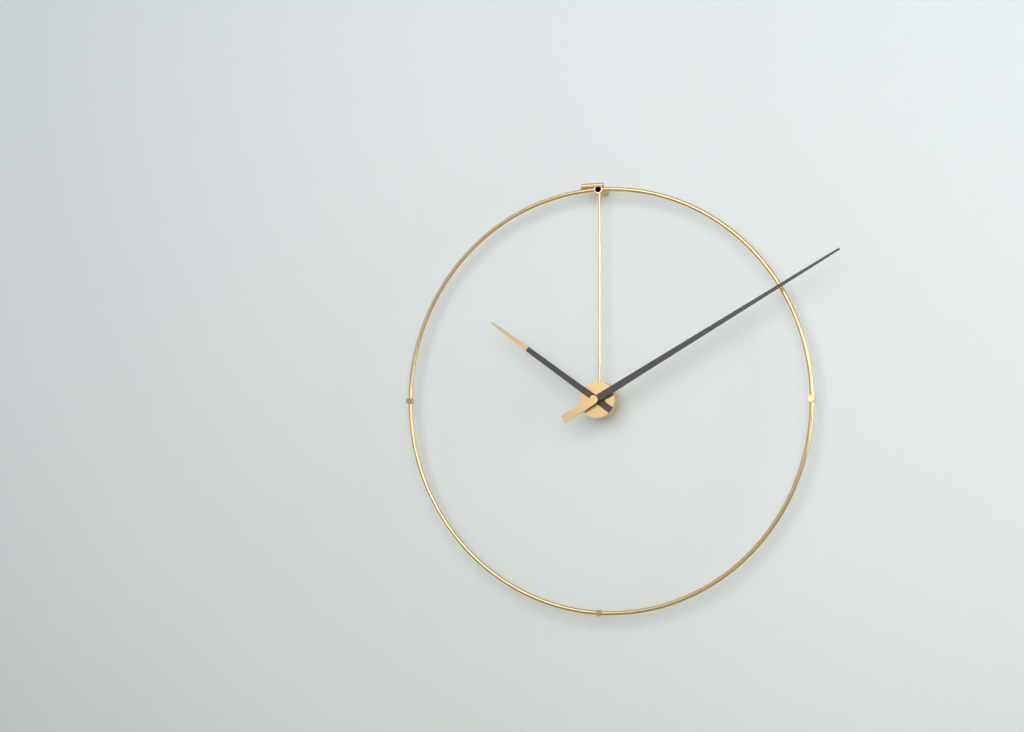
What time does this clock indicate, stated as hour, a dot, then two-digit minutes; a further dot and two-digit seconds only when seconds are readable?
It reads 10.10
